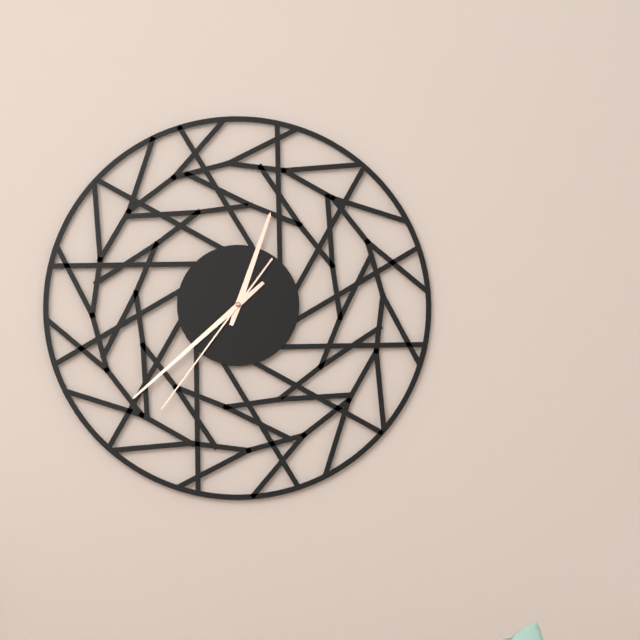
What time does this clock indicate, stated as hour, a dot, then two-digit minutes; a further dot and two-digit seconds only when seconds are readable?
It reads 12.38.36
